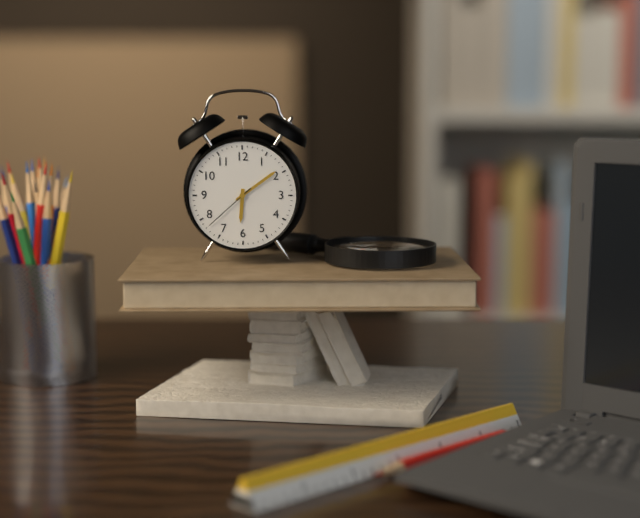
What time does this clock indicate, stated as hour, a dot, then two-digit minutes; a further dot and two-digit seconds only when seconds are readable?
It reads 6.09.38
